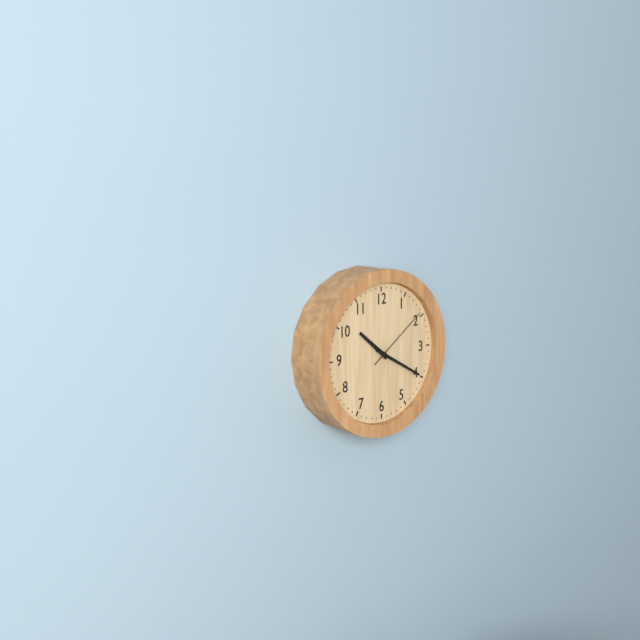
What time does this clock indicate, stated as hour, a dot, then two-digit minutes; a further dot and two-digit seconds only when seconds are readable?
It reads 10.20.09
